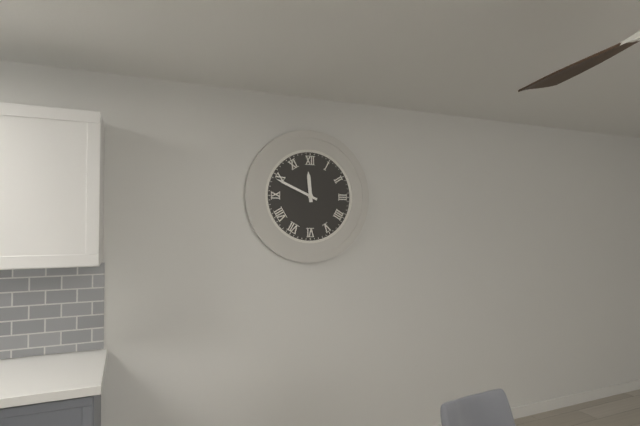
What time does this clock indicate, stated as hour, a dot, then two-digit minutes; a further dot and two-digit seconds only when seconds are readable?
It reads 11.49
